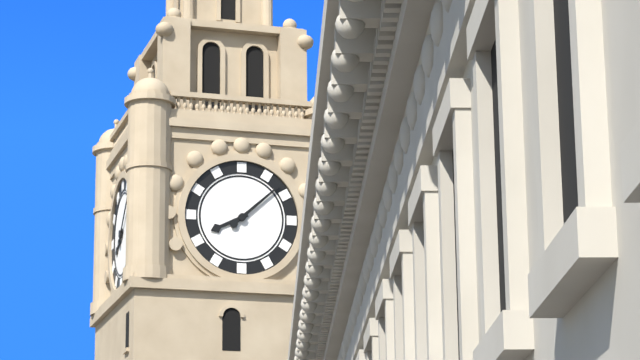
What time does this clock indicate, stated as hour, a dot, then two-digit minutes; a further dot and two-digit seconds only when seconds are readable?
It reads 8.08
